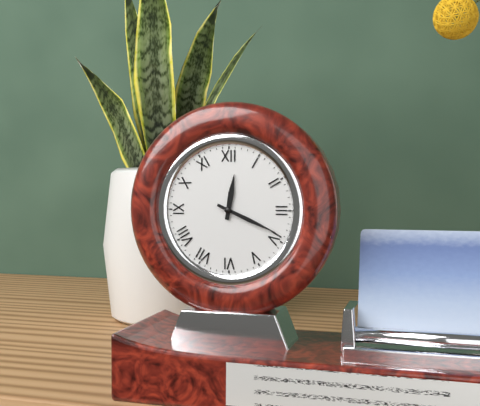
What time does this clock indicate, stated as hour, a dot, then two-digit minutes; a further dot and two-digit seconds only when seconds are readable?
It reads 12.19
